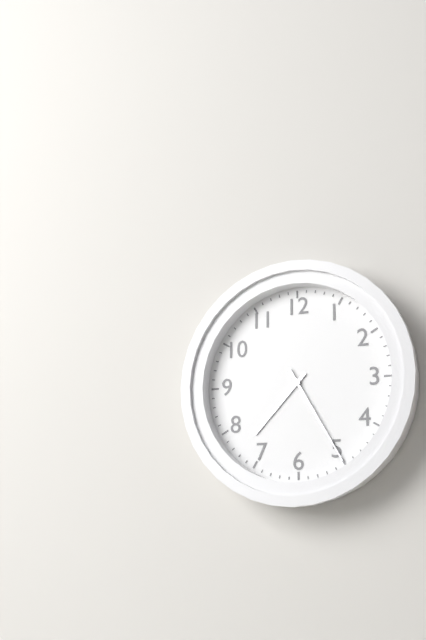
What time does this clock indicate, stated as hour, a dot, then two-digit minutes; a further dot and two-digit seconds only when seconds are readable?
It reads 7.25
